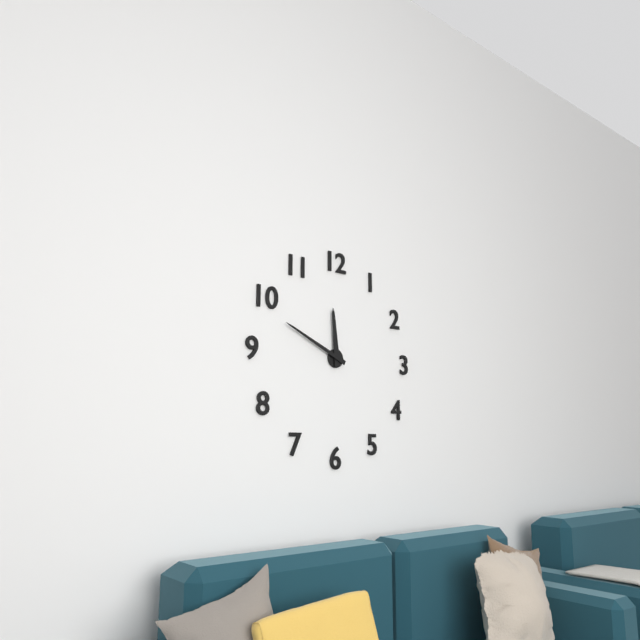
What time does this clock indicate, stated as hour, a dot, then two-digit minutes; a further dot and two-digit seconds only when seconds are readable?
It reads 11.49
